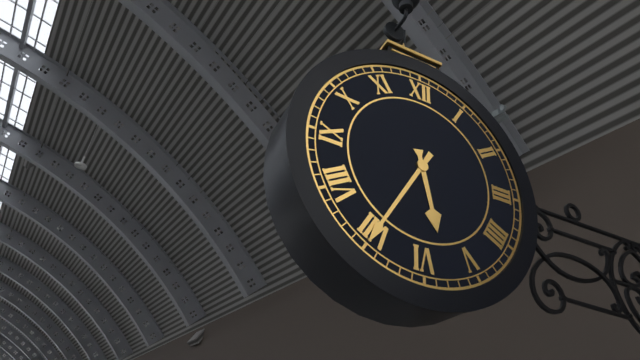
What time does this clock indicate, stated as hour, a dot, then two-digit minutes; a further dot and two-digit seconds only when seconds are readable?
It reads 5.35
